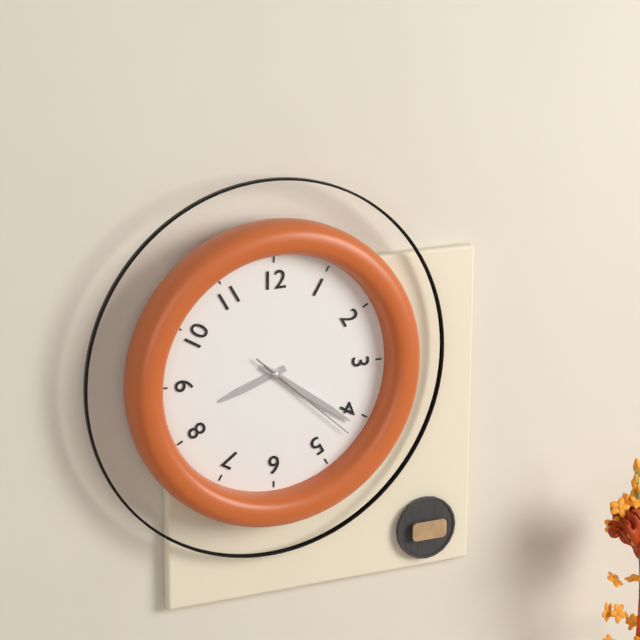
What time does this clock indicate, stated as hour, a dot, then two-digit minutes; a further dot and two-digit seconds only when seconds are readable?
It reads 8.21.22
